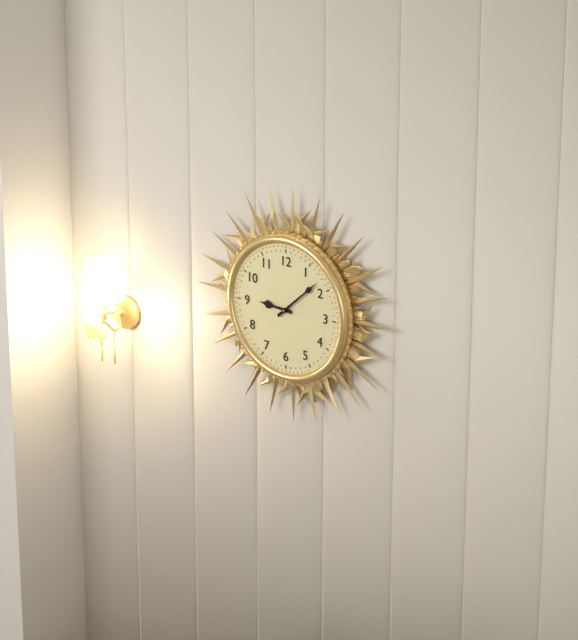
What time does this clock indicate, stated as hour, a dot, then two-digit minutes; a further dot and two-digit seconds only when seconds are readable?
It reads 9.08
